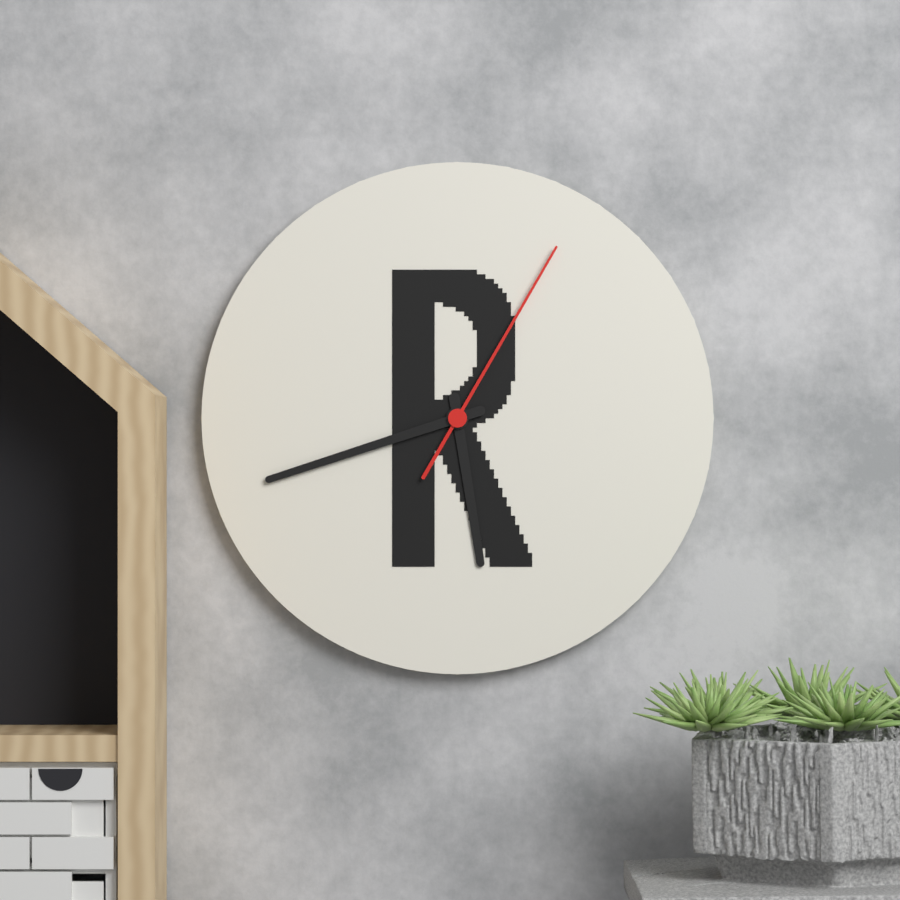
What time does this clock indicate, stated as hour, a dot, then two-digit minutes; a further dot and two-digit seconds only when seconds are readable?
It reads 5.42.05
